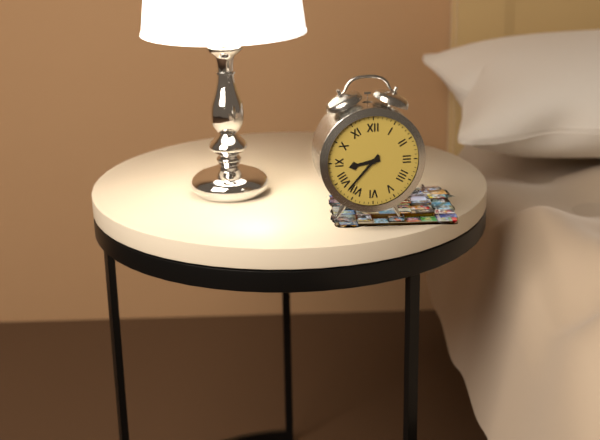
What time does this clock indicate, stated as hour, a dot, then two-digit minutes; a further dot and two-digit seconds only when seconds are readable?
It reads 8.37
